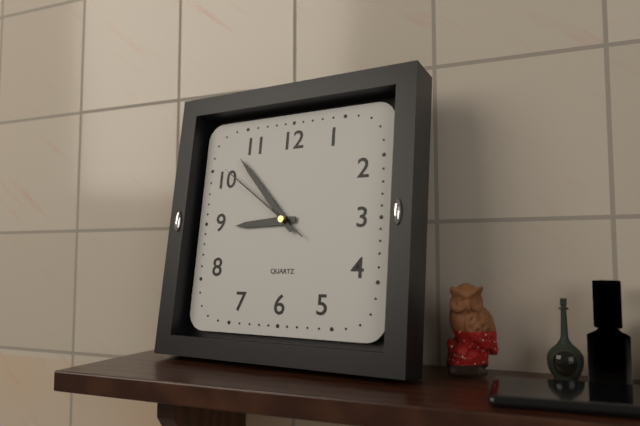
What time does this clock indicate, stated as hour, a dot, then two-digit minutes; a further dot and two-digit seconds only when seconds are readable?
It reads 8.53.51
